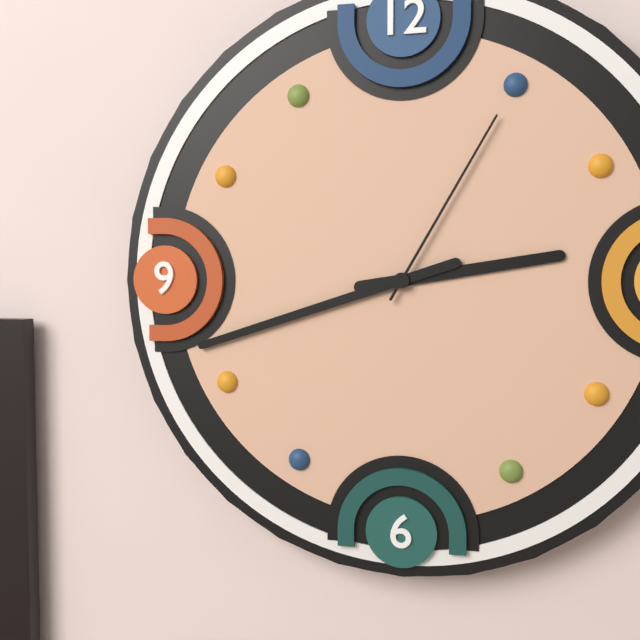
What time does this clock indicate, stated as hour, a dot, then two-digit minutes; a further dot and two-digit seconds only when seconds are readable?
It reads 2.42.05
